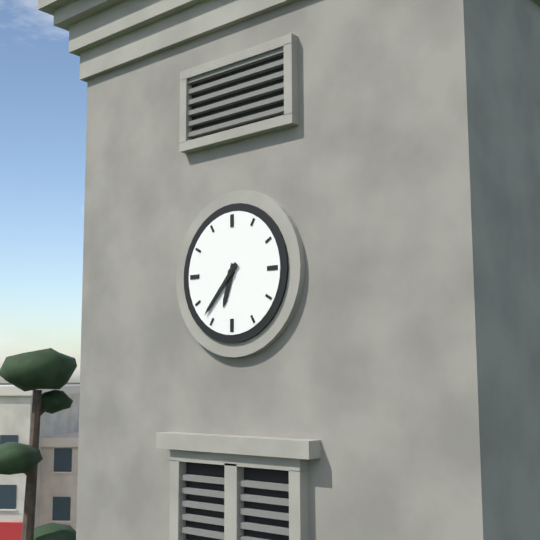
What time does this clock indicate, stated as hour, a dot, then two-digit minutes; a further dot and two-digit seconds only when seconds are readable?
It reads 6.37
